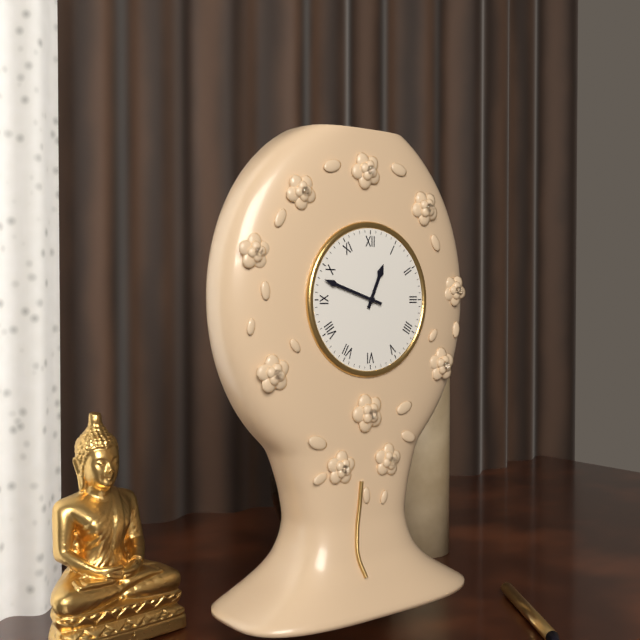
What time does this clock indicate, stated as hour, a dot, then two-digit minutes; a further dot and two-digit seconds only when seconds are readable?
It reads 12.48
